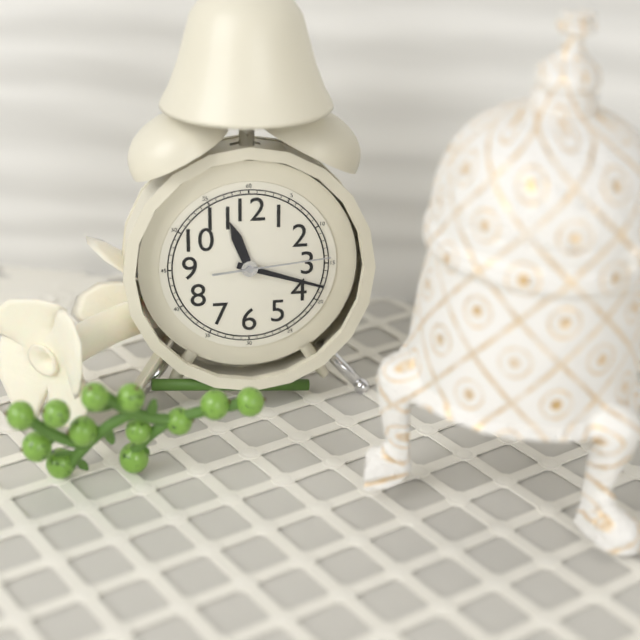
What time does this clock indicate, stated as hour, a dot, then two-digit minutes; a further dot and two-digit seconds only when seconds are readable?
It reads 11.18.14
